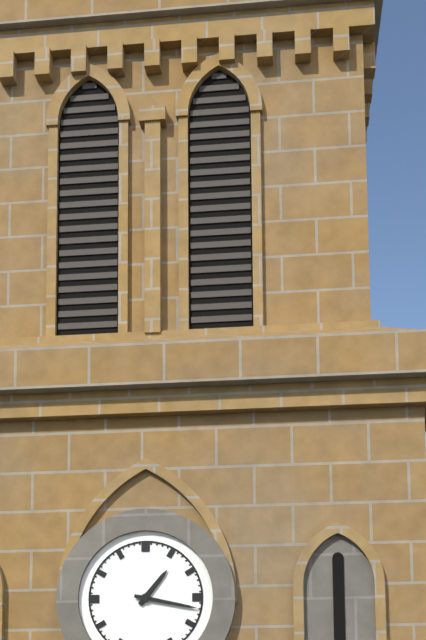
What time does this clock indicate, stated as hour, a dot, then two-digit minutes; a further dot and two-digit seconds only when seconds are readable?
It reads 1.17
